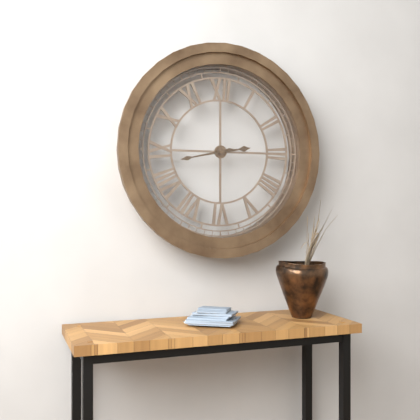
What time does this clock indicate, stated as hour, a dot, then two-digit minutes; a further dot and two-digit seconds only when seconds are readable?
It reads 2.43
